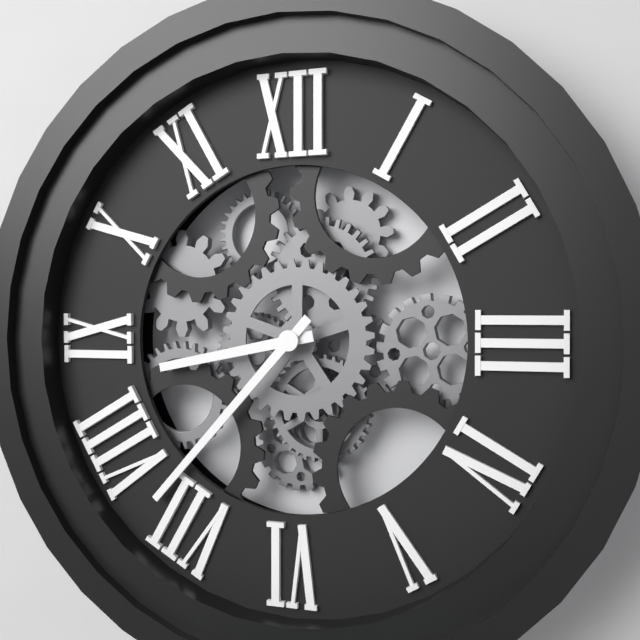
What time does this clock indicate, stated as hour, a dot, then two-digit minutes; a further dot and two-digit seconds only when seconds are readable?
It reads 8.37
